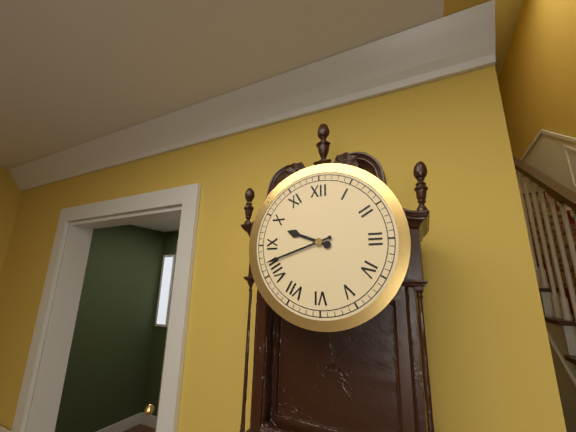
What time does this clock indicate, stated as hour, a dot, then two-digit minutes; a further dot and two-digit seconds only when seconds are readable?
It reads 9.42
